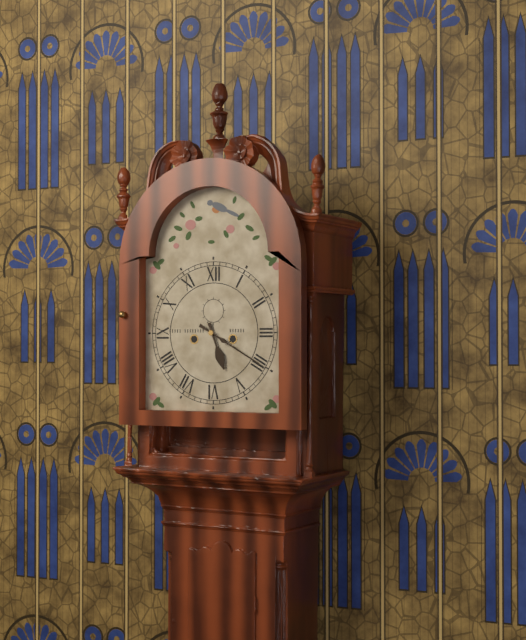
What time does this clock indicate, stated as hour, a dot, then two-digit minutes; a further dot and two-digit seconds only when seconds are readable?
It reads 5.20
